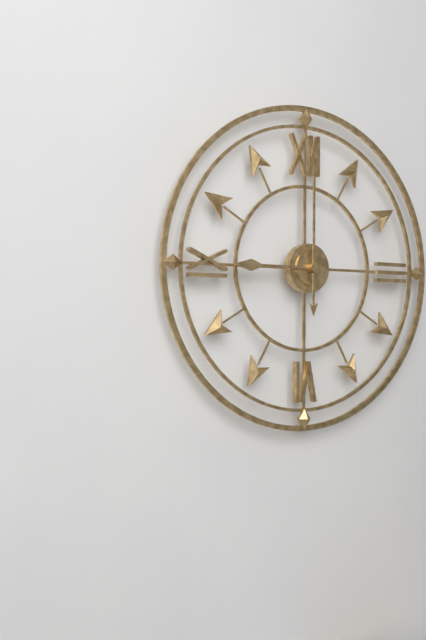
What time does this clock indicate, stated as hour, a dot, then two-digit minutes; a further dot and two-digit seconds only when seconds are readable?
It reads 9.00
